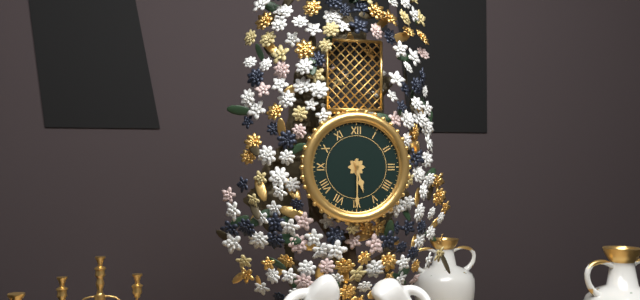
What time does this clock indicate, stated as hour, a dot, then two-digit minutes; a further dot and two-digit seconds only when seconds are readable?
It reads 5.30
